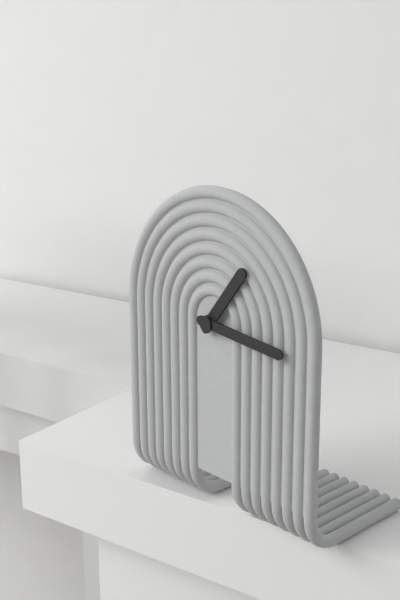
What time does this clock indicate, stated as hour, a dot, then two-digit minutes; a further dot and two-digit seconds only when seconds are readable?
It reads 1.16
